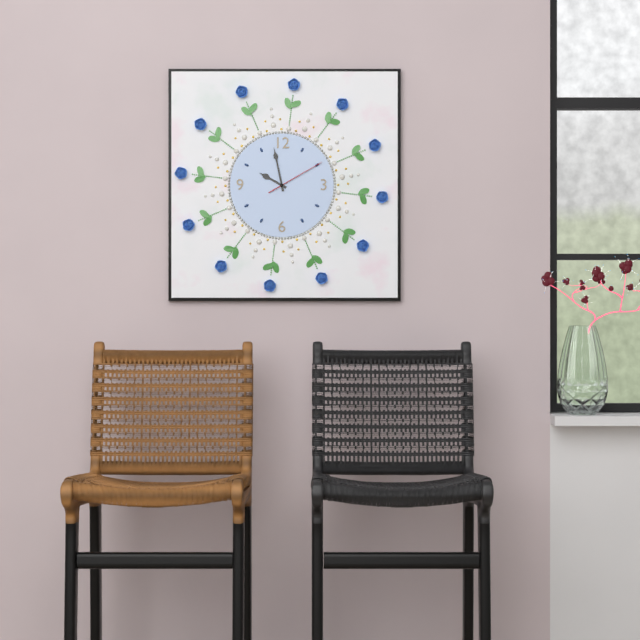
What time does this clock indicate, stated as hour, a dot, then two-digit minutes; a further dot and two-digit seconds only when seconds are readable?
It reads 9.58.10
